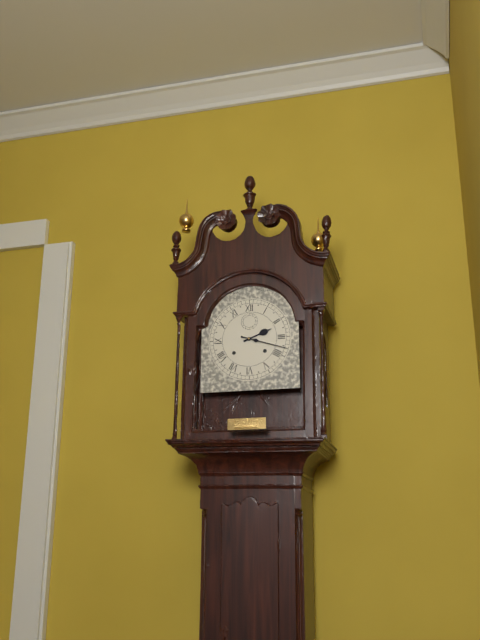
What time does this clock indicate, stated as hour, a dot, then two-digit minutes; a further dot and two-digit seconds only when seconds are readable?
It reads 2.18
